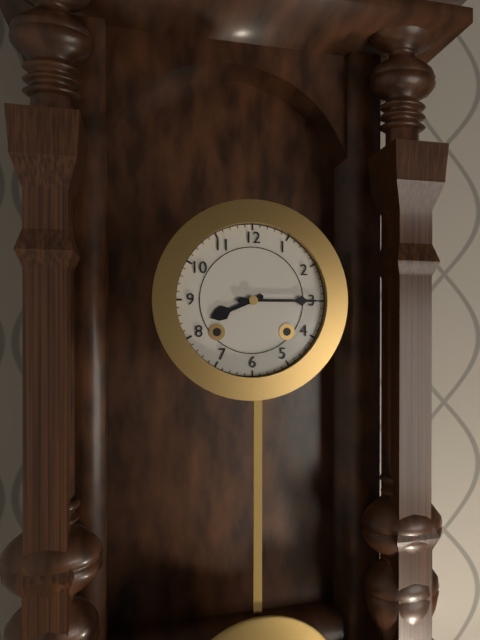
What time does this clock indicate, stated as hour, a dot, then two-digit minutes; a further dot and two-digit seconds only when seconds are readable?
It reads 8.15
